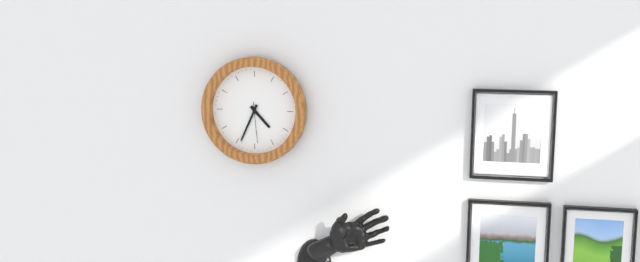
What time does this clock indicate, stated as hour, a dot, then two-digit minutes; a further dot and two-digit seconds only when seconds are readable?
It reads 4.34
